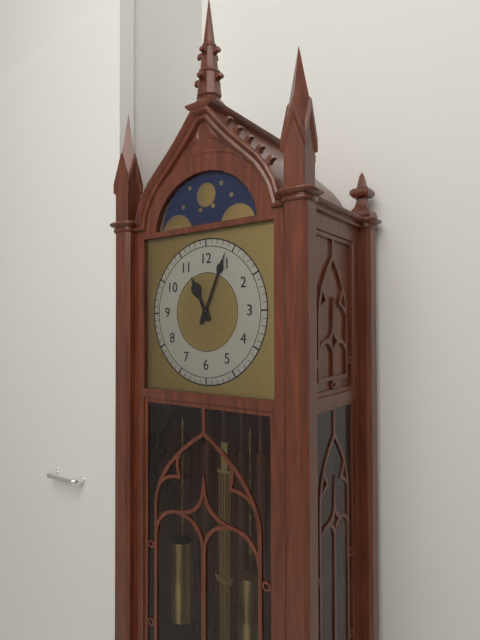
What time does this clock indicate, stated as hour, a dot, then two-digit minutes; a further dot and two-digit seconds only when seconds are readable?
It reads 11.04
